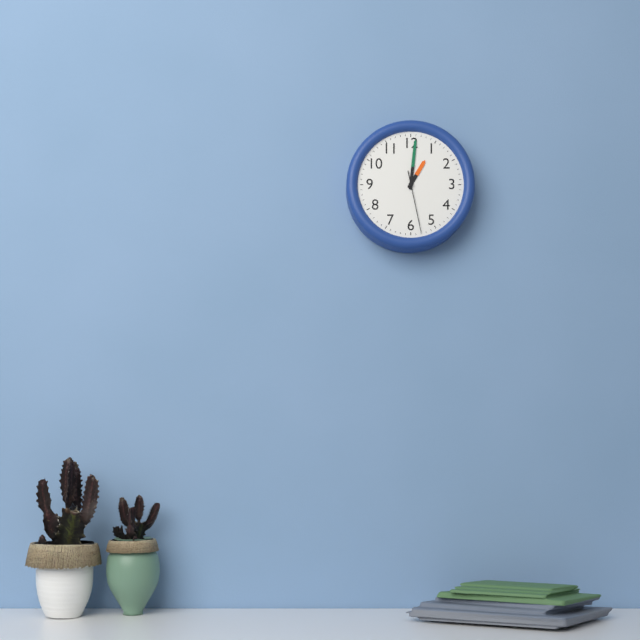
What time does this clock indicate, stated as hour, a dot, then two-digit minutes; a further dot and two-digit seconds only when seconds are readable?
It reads 1.01.28
